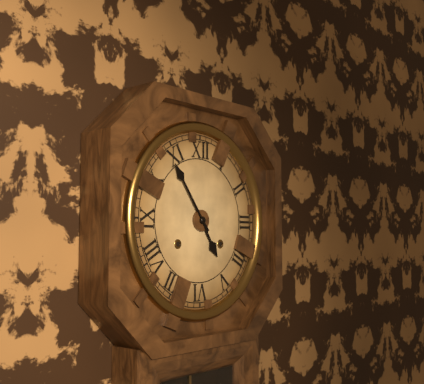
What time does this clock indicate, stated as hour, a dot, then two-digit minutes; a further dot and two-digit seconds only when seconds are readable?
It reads 4.54
